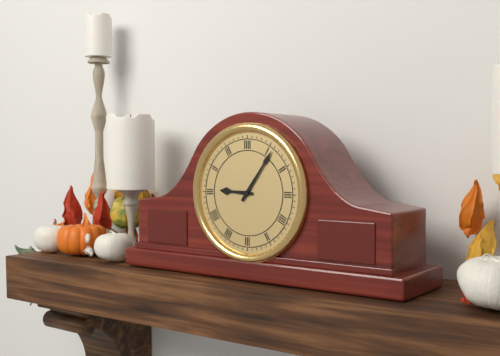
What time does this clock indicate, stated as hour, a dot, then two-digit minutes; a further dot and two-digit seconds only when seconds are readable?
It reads 9.06
